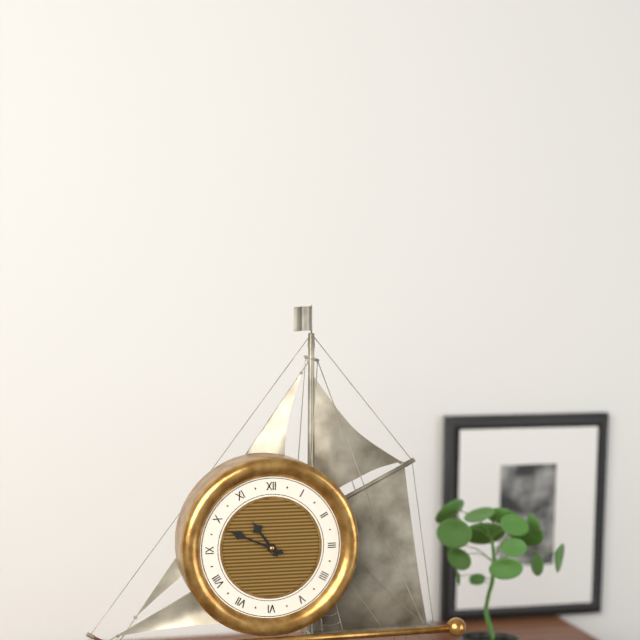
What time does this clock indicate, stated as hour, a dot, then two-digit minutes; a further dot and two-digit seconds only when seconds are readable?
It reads 10.49
